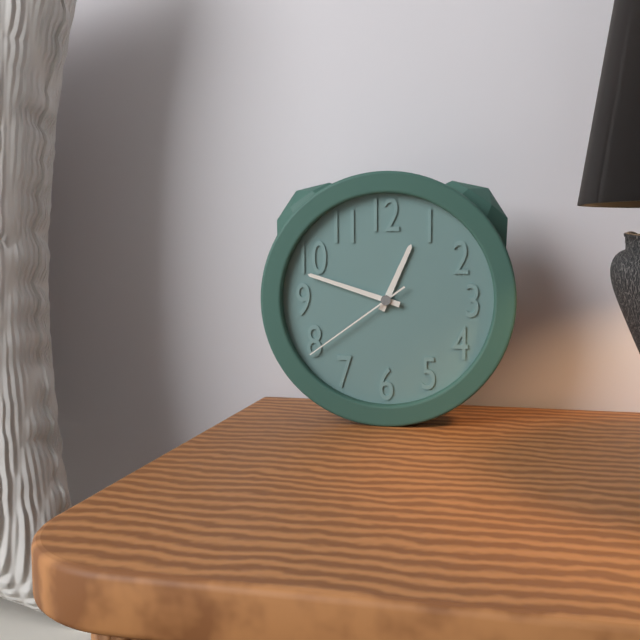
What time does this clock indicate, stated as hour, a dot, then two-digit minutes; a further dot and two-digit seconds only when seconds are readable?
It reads 12.48.39
